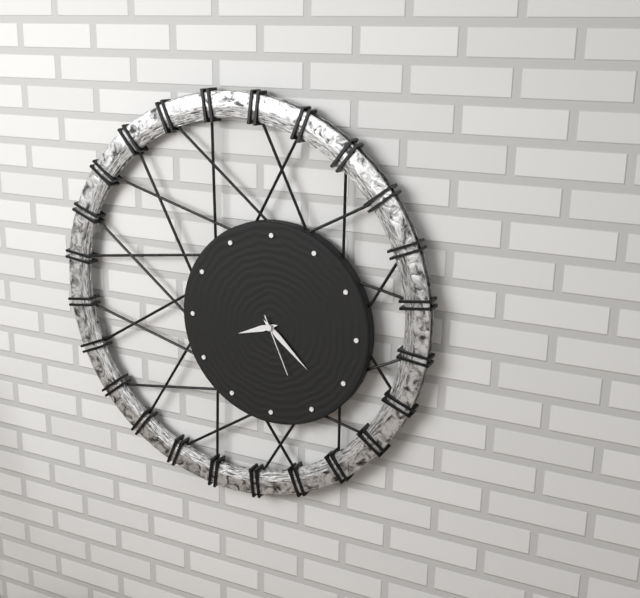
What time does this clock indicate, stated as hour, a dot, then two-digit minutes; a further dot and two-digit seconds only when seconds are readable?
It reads 8.22.26
